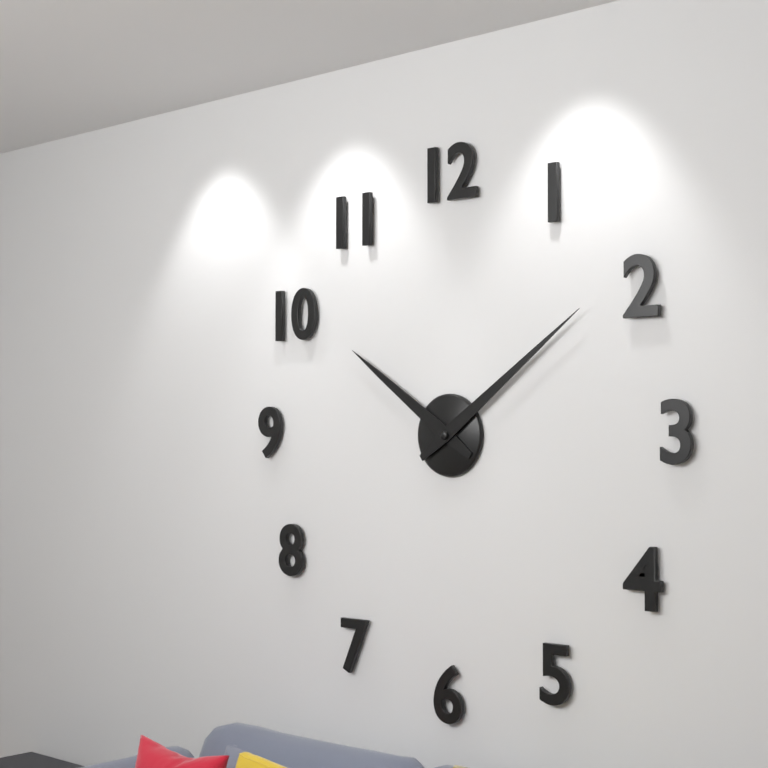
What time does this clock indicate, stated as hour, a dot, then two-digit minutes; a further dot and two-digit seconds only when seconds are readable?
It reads 10.09
